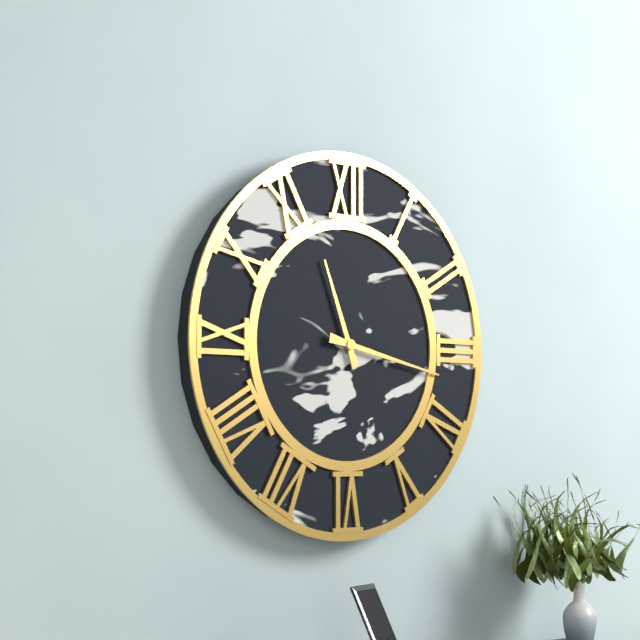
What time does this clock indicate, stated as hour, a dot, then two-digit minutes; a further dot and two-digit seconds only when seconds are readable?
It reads 11.17
